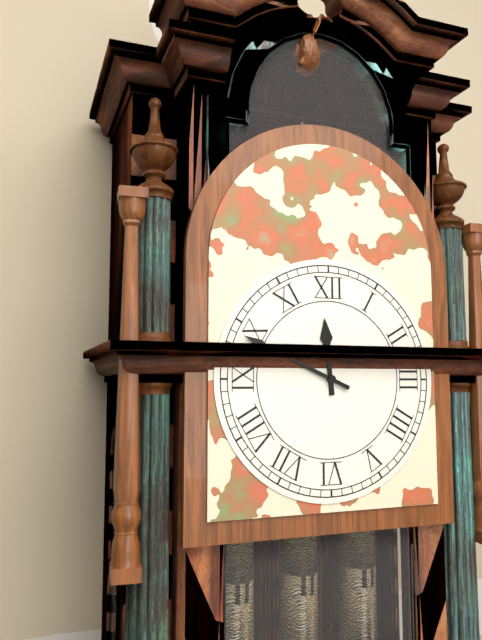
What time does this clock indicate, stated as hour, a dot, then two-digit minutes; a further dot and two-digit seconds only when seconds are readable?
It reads 11.49
